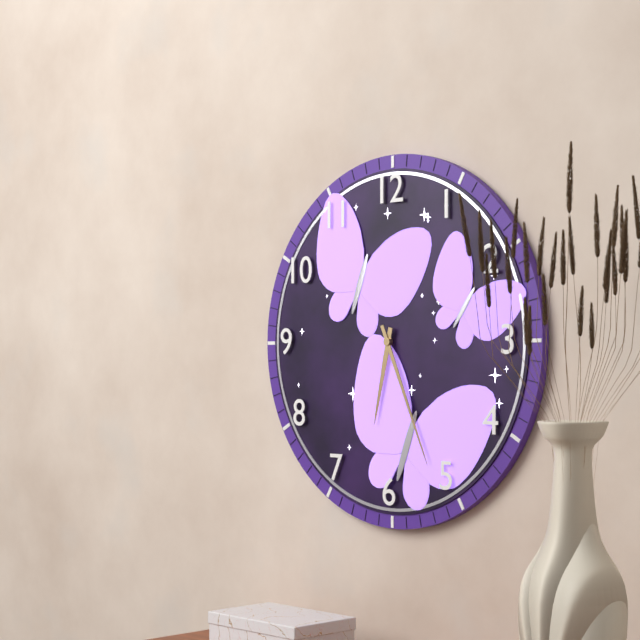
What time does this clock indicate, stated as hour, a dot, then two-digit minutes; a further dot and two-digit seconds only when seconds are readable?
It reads 6.26
